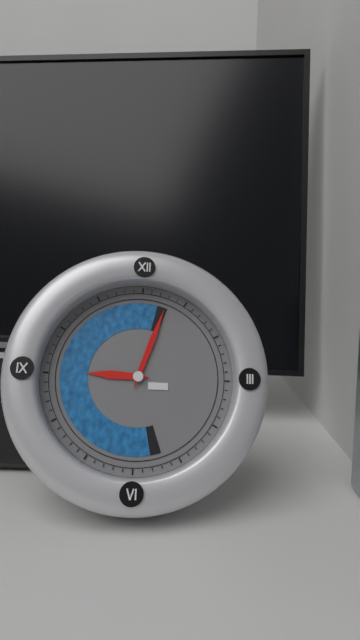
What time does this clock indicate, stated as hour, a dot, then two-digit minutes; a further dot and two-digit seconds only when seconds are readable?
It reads 9.03
